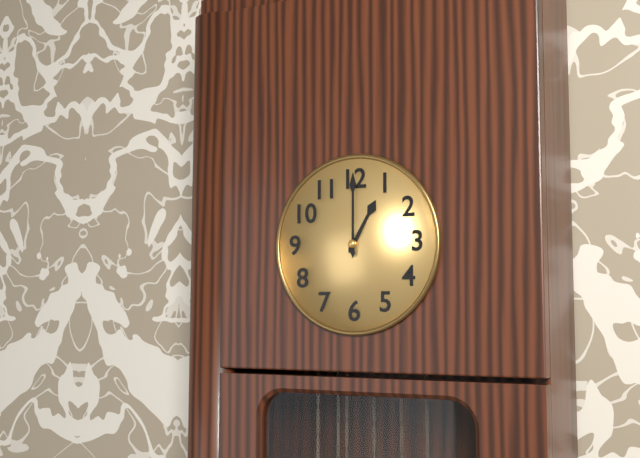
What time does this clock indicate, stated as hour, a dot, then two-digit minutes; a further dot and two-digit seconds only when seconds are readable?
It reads 1.00
